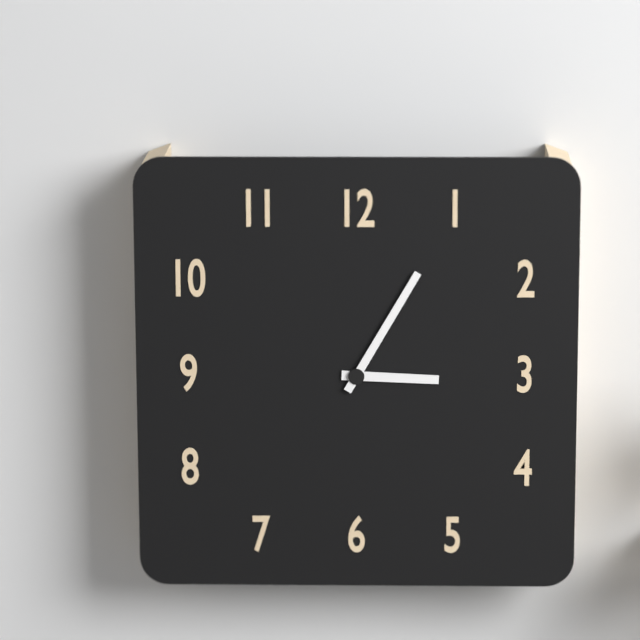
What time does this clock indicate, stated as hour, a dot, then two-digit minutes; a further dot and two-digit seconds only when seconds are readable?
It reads 3.05
